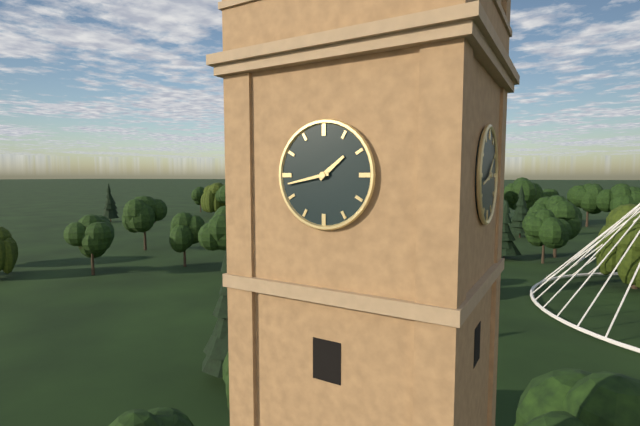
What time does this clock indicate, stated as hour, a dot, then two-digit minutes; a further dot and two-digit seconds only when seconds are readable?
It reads 1.43
